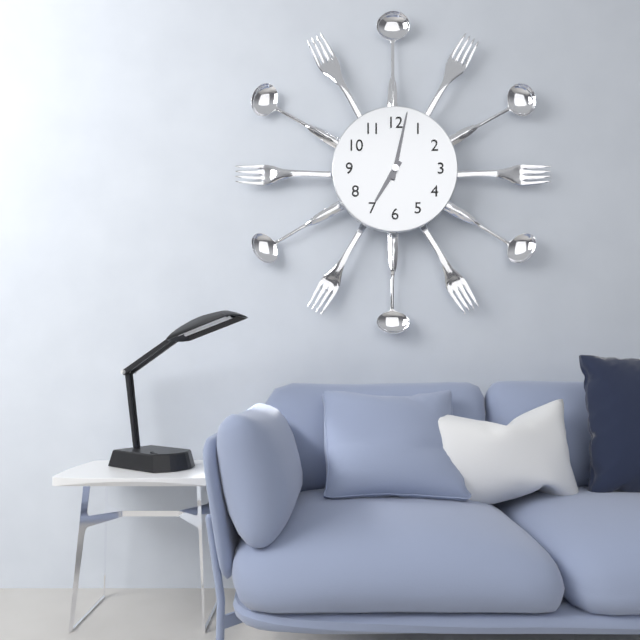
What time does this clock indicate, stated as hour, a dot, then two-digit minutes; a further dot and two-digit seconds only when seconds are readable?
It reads 7.02
